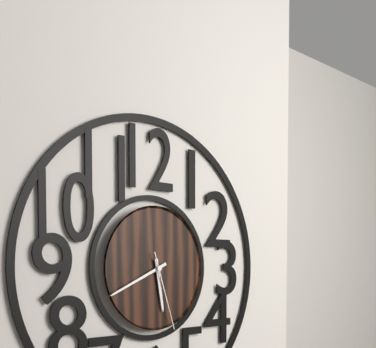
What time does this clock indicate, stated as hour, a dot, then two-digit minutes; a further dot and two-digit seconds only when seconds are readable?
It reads 5.41.27
